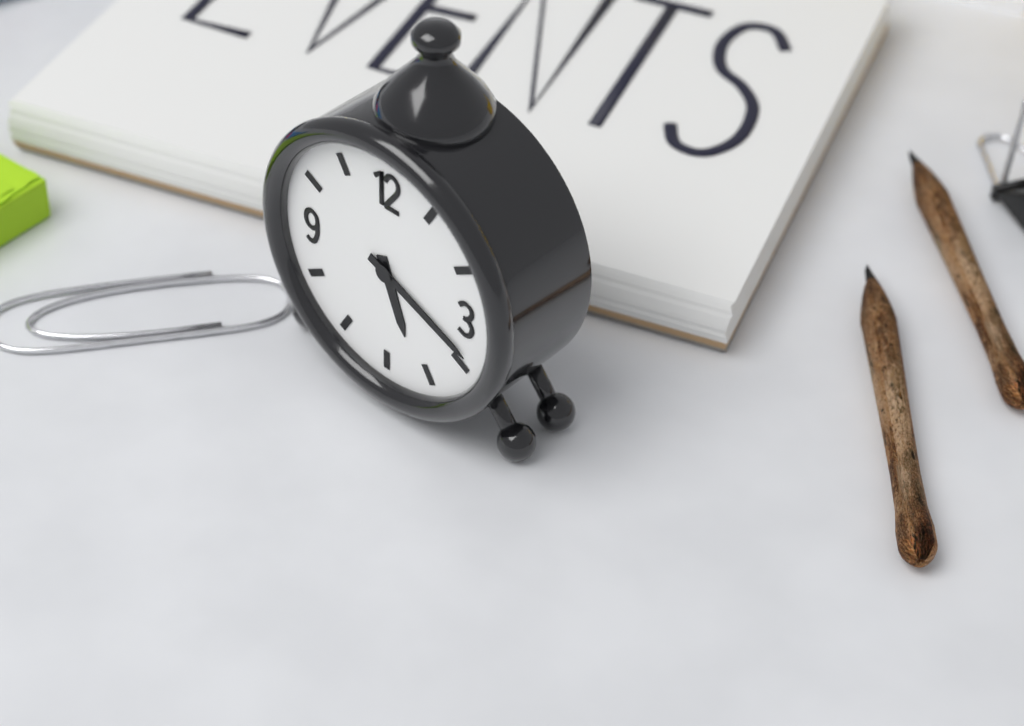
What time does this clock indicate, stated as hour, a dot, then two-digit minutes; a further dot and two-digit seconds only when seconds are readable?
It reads 5.19
